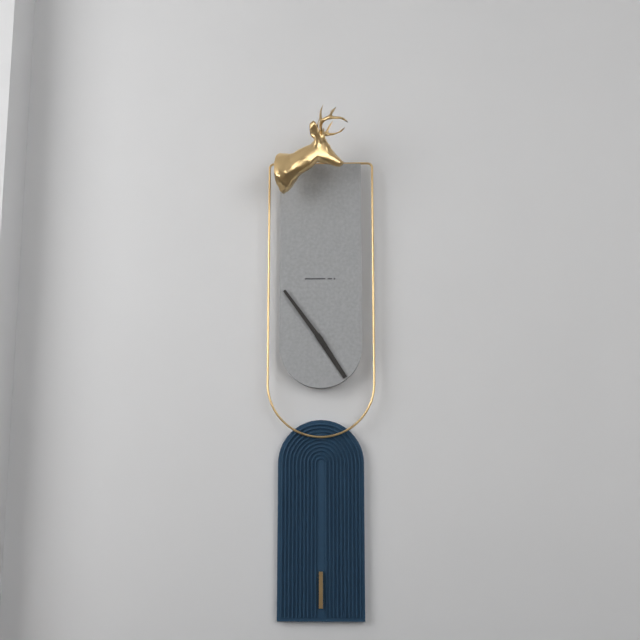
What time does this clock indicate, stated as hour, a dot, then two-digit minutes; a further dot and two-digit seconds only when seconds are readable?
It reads 4.54
